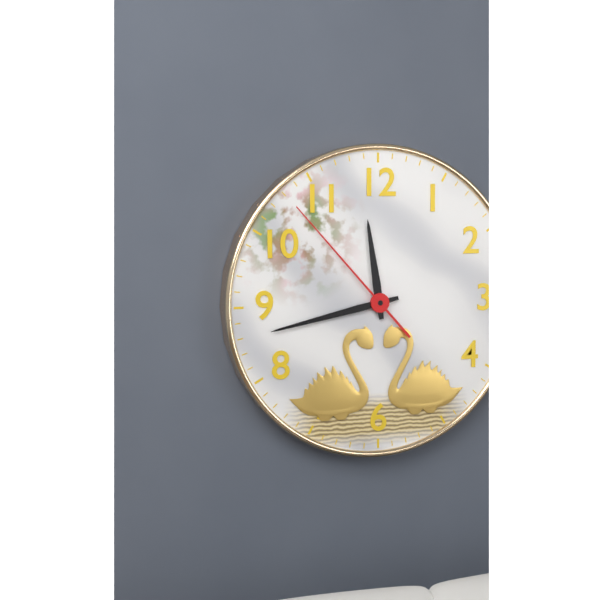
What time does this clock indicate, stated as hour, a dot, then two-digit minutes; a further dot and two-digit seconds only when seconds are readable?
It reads 11.43.53
